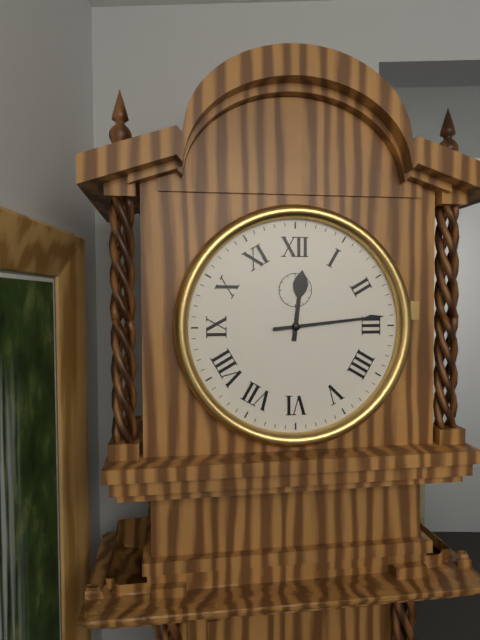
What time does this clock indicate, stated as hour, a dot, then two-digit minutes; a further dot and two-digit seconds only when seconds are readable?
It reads 12.14
